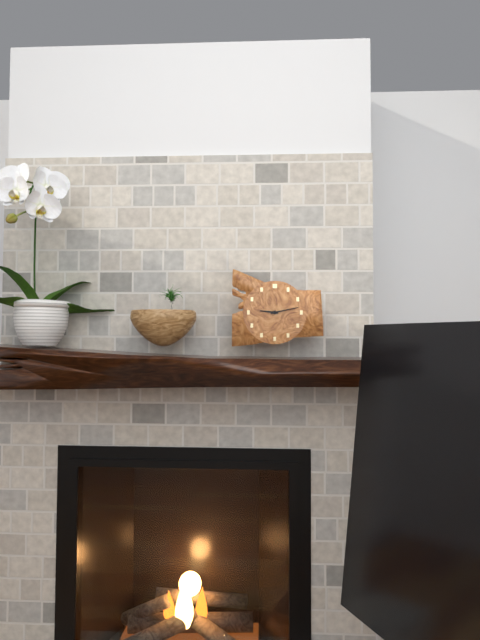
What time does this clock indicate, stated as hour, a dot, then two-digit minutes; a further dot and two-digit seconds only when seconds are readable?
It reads 9.13
